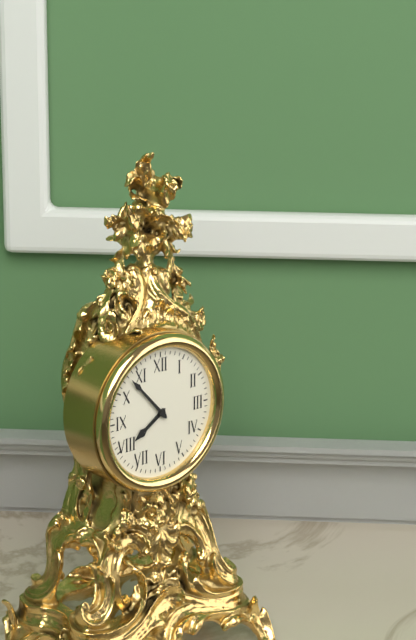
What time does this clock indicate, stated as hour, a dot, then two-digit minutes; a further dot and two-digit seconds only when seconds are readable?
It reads 7.53
